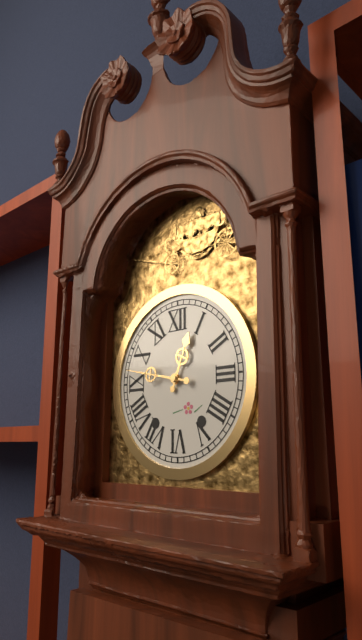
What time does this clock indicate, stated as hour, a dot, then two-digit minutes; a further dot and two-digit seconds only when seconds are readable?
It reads 12.47
